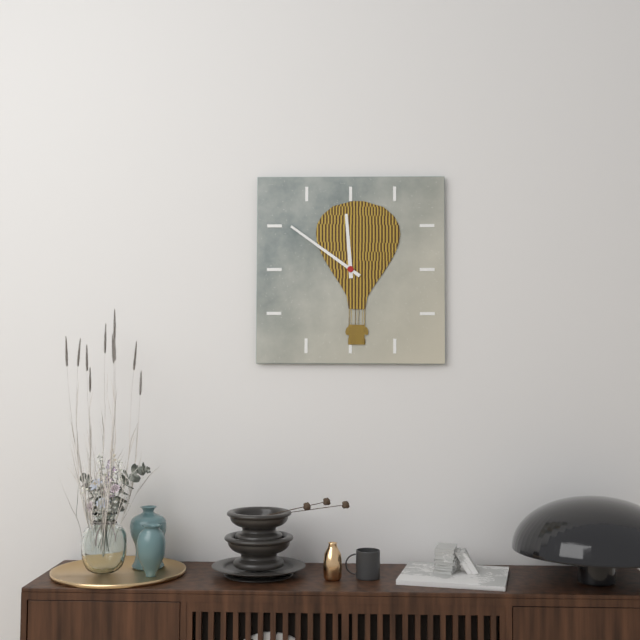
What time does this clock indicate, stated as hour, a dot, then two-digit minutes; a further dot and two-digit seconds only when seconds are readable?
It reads 11.51
